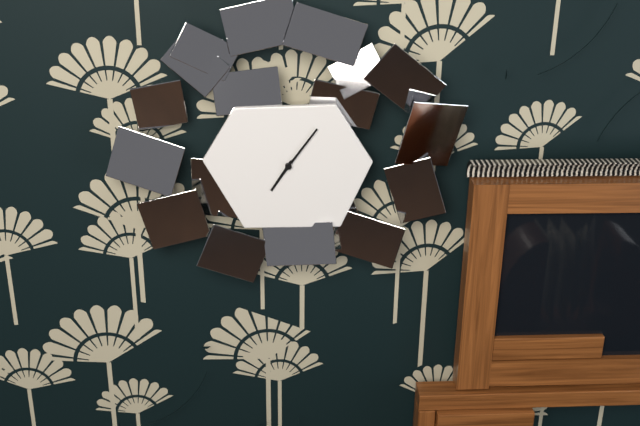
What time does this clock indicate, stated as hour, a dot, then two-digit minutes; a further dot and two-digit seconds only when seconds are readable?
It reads 7.06
